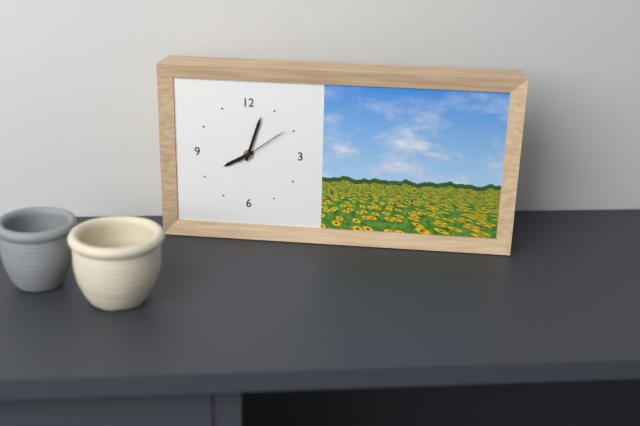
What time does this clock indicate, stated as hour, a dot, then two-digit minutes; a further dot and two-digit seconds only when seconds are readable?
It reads 8.03.09
